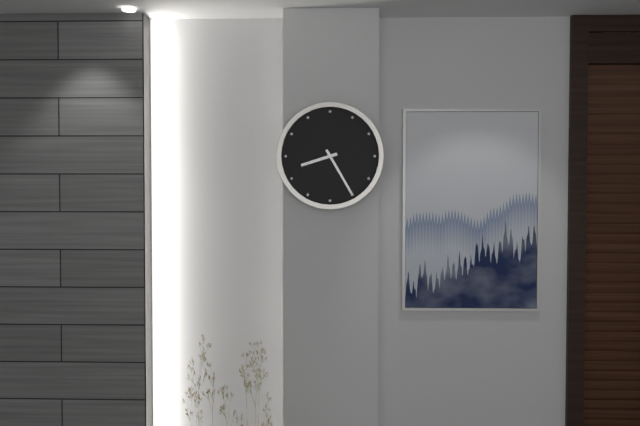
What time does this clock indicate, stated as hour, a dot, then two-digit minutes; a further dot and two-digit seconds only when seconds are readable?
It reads 8.25
